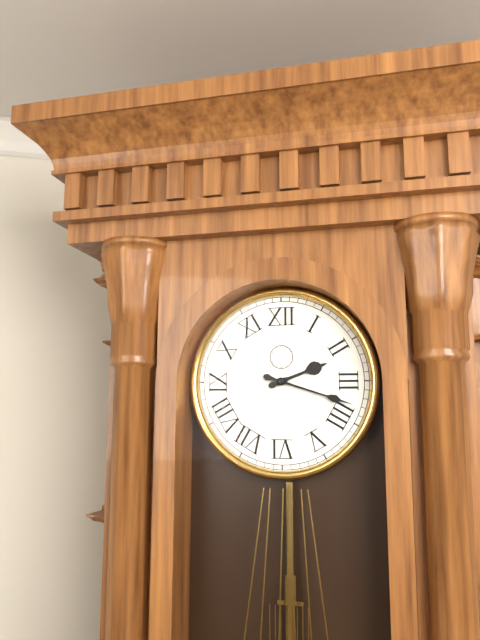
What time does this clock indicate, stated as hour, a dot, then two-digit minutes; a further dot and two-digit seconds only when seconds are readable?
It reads 2.18
